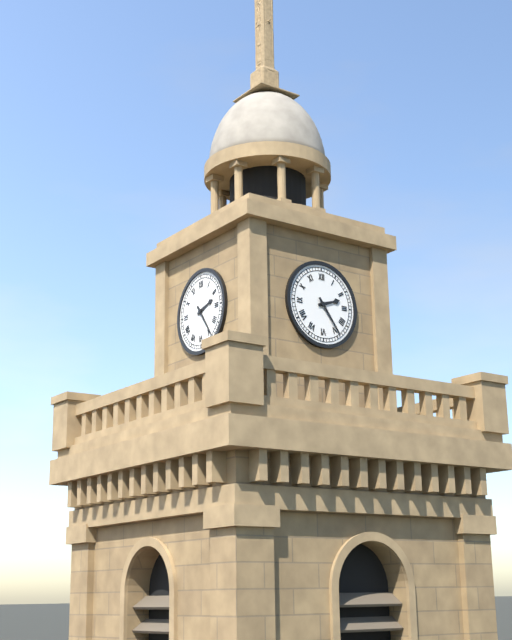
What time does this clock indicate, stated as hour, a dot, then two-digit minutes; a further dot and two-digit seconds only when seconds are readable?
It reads 2.24
